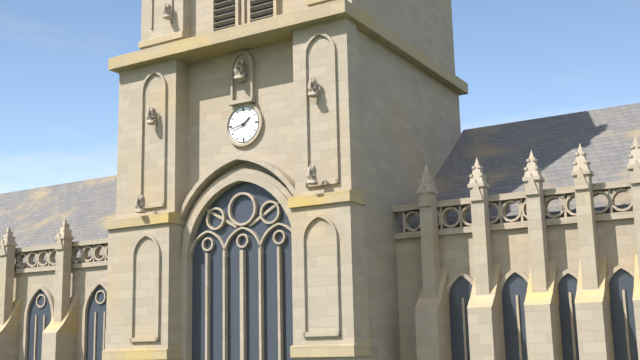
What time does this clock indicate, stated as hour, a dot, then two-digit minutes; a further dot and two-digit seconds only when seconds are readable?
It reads 1.43
